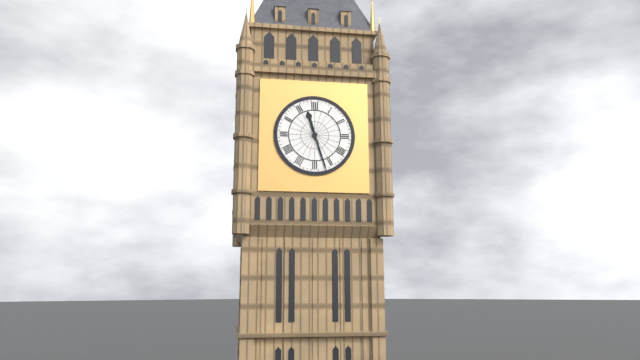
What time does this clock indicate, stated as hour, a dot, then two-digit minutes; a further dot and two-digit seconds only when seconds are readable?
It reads 11.27
